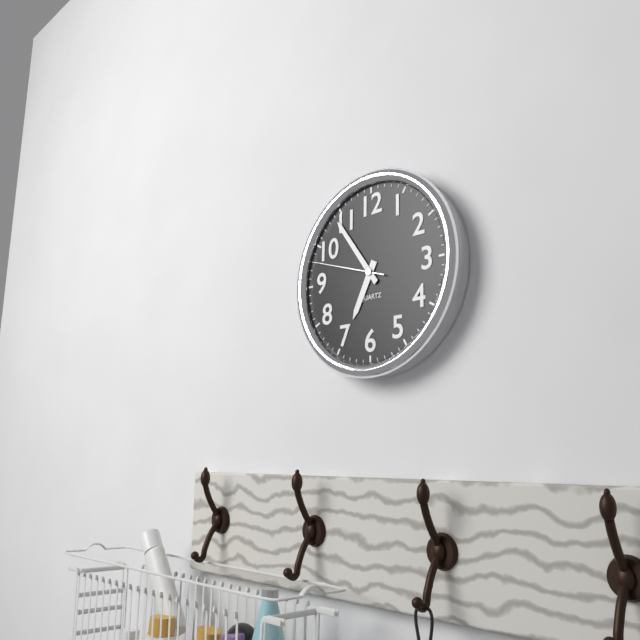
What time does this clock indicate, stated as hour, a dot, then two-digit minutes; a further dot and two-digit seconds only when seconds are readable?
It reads 6.54.48
